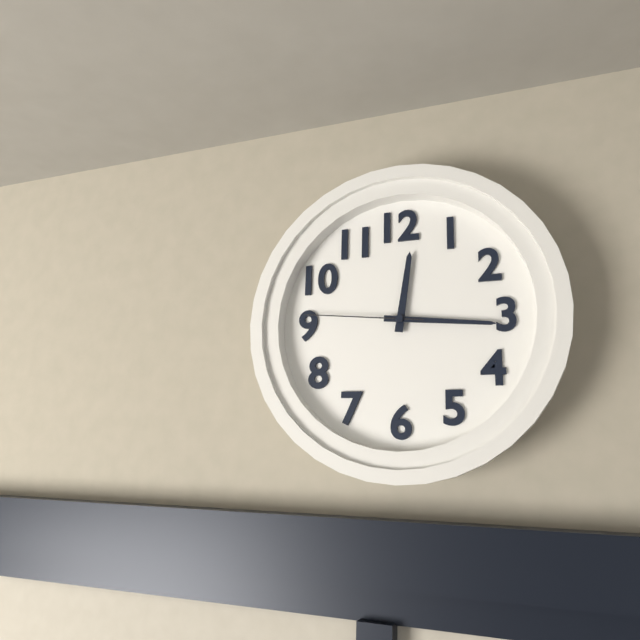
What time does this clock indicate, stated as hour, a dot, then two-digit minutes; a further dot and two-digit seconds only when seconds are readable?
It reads 12.16.46
